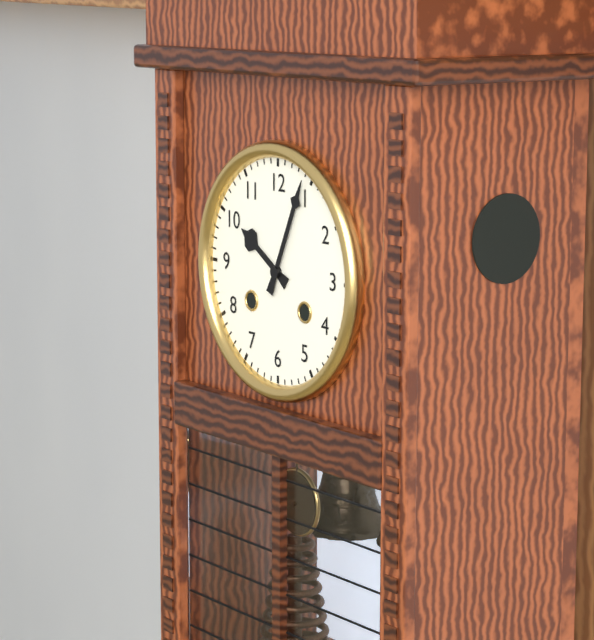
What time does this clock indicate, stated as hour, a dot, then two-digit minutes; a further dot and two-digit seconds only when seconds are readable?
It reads 10.04
